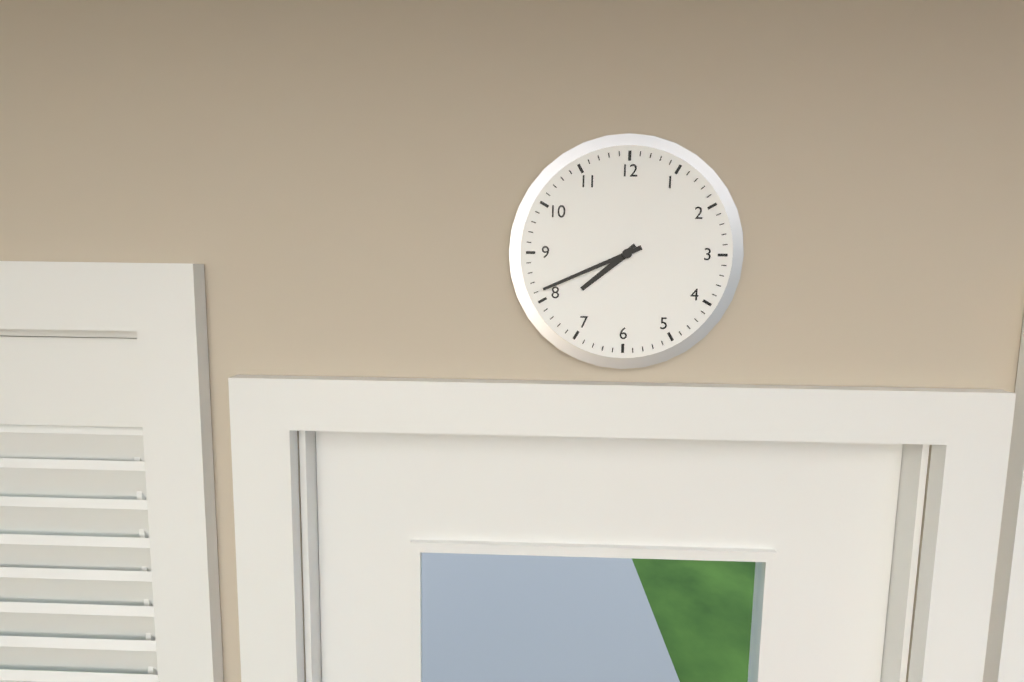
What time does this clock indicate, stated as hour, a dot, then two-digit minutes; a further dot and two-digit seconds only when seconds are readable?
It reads 7.41
